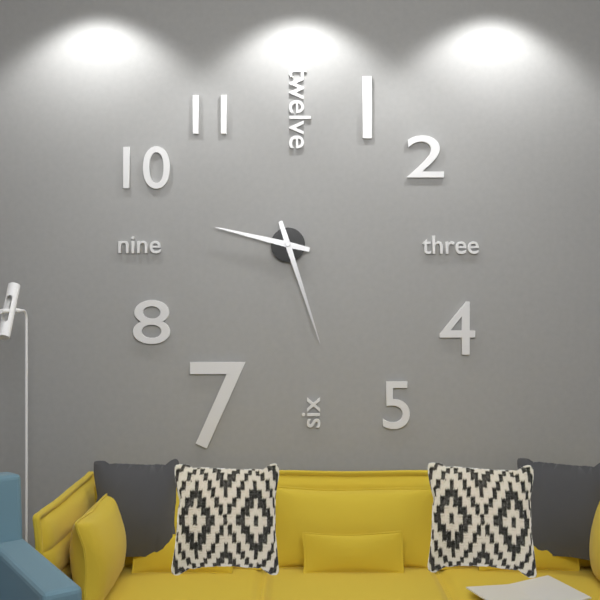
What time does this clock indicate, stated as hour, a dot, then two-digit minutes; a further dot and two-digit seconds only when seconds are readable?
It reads 9.27
